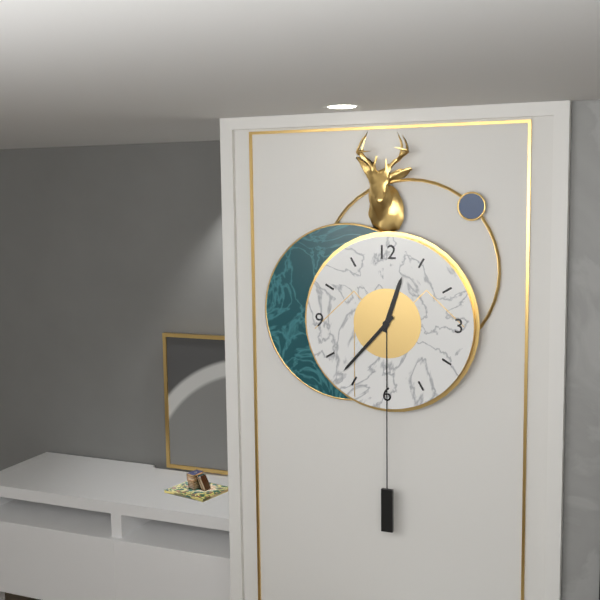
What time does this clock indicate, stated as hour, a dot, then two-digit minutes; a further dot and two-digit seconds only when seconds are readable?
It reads 12.37
